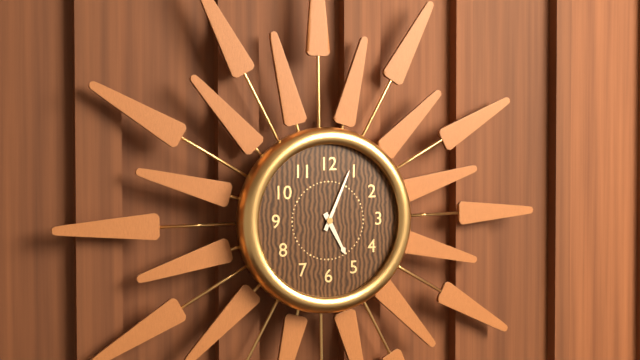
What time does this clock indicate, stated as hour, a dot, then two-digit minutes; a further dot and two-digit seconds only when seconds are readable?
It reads 5.04
